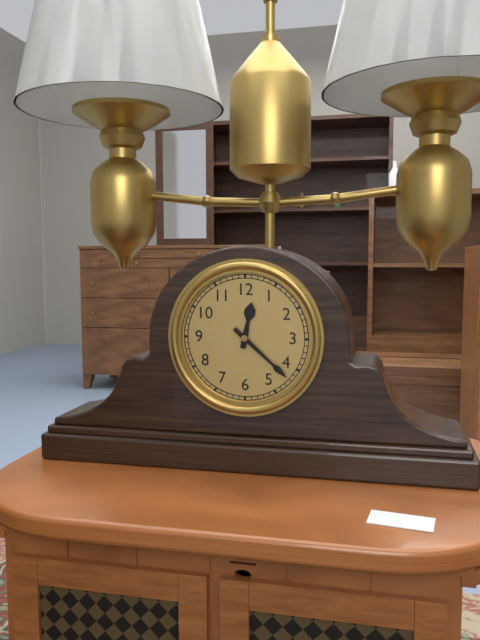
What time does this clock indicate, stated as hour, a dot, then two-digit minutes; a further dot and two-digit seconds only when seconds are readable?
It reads 12.22
